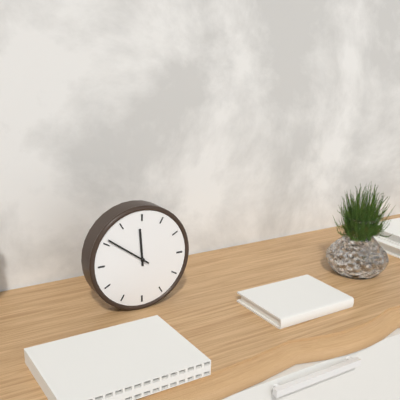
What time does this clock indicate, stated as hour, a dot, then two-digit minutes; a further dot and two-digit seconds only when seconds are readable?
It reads 11.51
